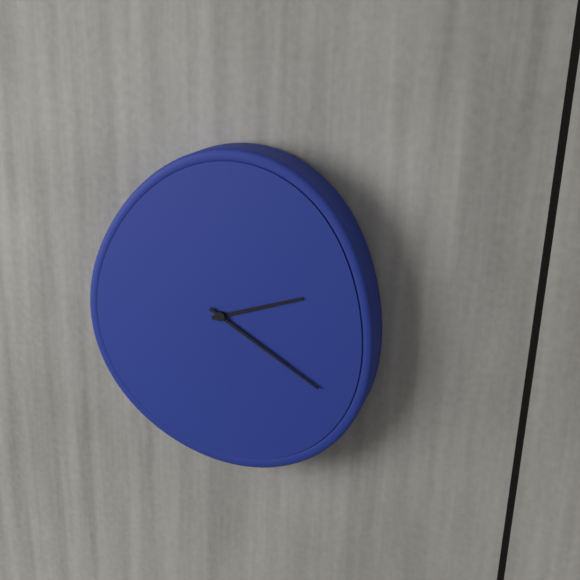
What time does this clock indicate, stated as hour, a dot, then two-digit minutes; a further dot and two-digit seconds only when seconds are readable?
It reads 2.20
